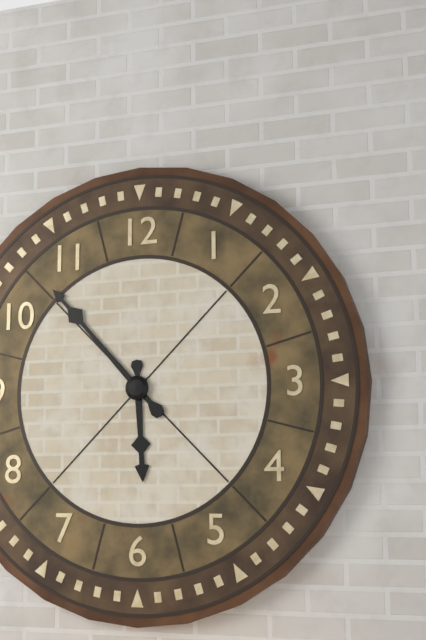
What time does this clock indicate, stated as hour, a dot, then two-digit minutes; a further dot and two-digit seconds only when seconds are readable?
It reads 5.53
